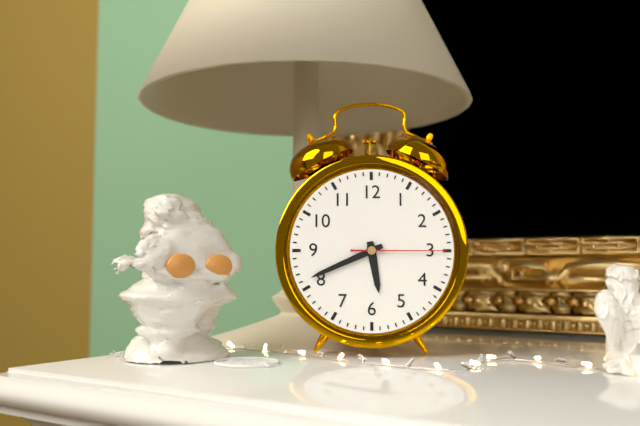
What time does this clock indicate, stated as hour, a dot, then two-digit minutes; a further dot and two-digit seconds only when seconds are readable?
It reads 5.41.15
